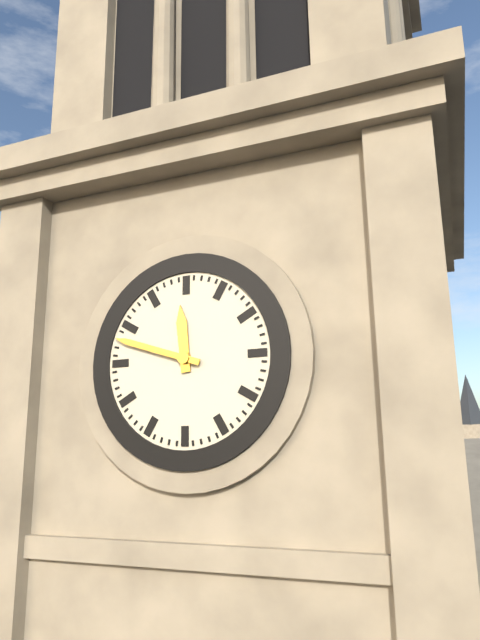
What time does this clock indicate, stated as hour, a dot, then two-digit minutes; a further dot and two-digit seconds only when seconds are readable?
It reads 11.48
